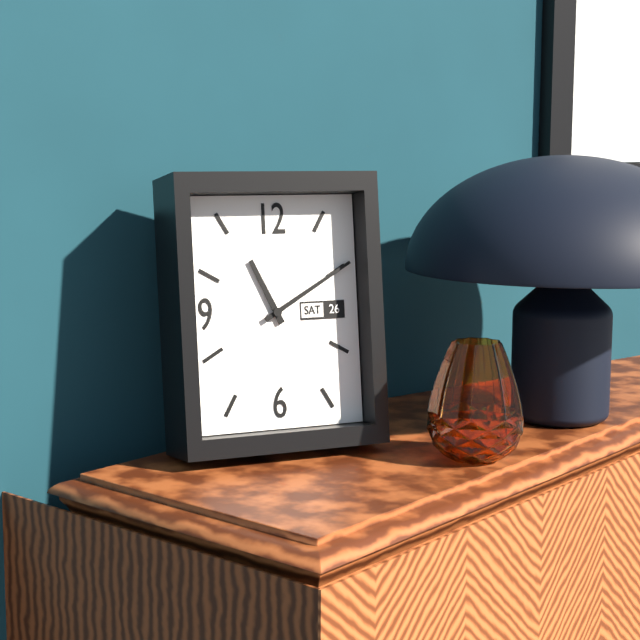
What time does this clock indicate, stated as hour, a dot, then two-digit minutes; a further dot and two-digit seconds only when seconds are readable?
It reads 11.10
